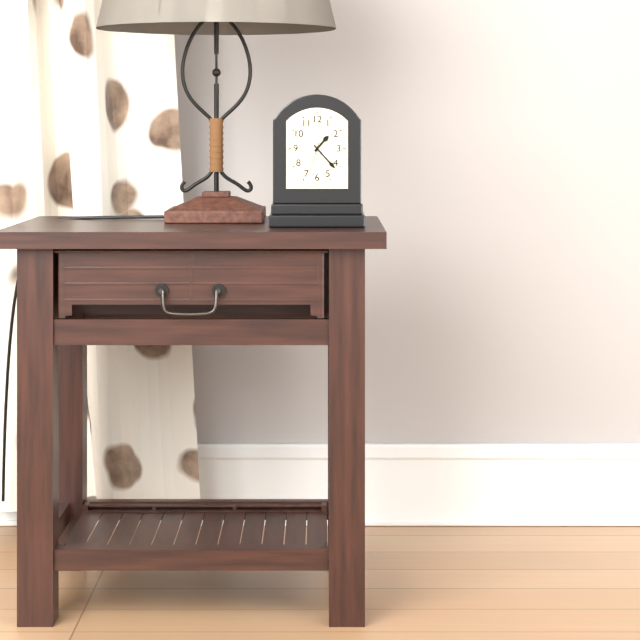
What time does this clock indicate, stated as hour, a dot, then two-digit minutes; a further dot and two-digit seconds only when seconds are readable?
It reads 1.23
